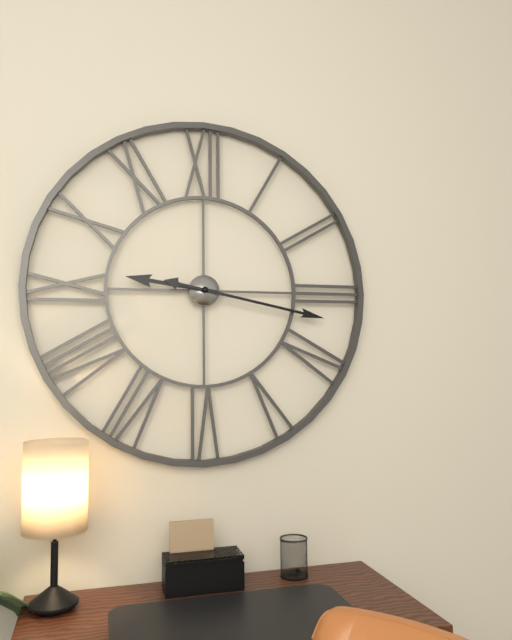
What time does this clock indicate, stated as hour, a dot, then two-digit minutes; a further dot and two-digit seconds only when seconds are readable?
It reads 9.17
